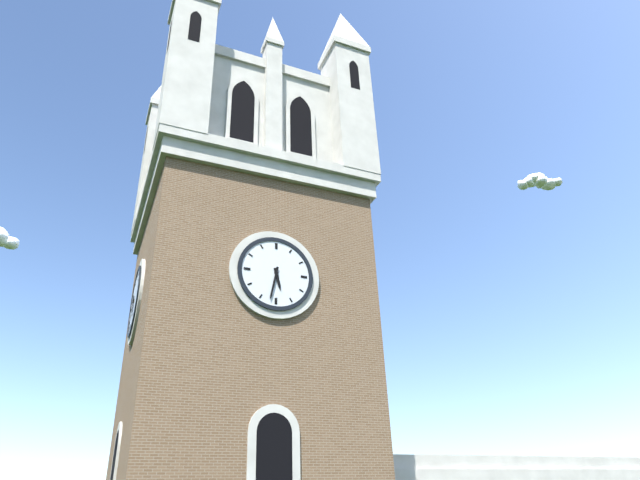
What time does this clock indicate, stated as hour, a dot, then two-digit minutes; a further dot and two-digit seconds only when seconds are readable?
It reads 5.32
